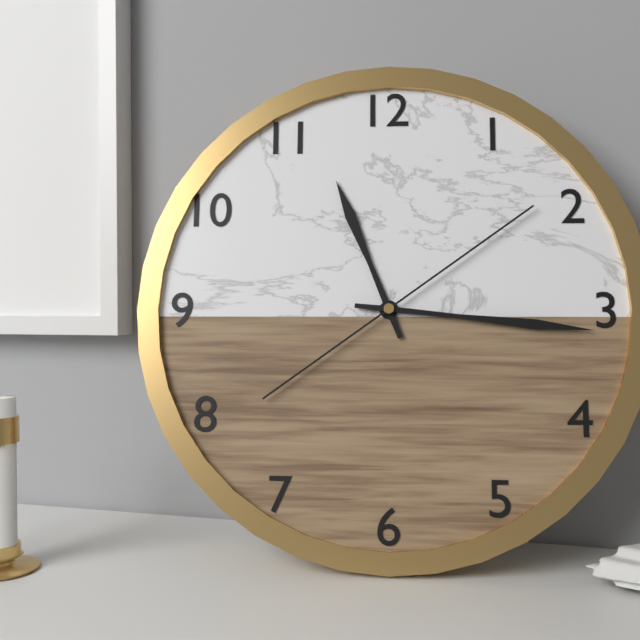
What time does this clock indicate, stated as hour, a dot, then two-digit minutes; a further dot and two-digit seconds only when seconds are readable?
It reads 11.16.09
